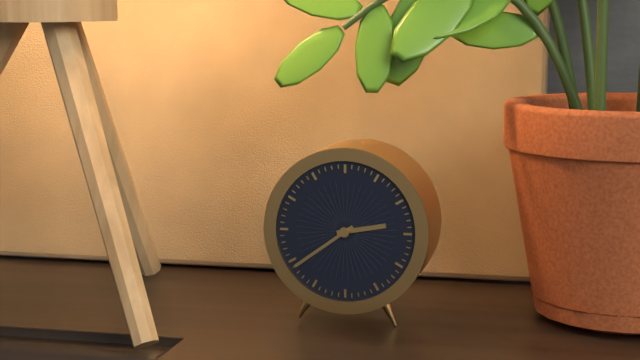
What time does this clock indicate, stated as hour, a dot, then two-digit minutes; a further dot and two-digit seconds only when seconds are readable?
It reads 2.39
